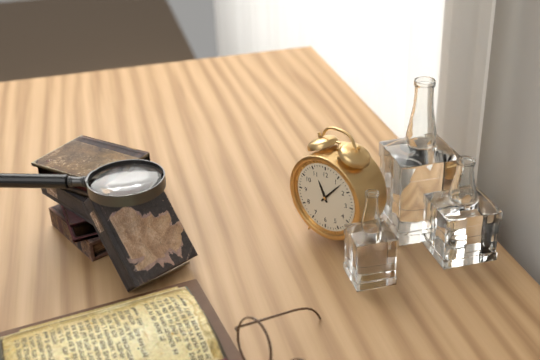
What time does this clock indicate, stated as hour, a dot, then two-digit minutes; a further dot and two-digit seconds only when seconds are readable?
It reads 11.07
